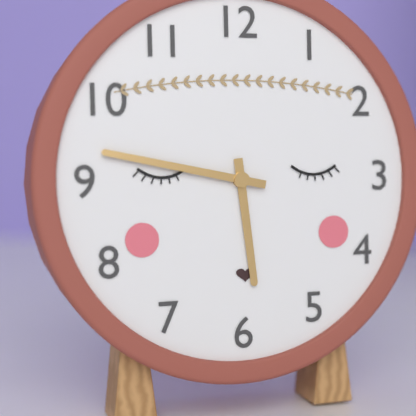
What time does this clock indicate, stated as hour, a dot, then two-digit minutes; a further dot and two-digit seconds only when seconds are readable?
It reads 5.47
